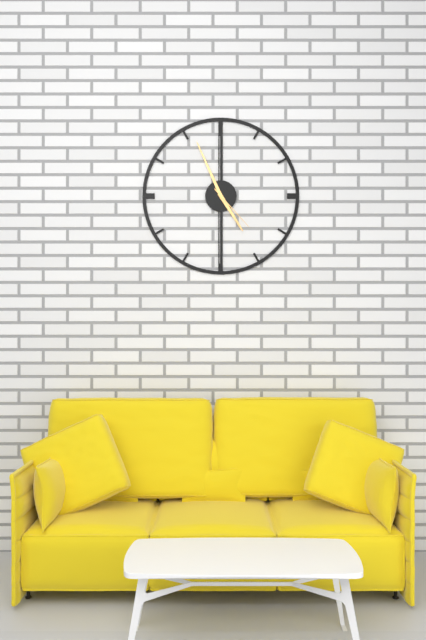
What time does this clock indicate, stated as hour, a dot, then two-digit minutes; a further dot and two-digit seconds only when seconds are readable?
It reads 4.56.23
